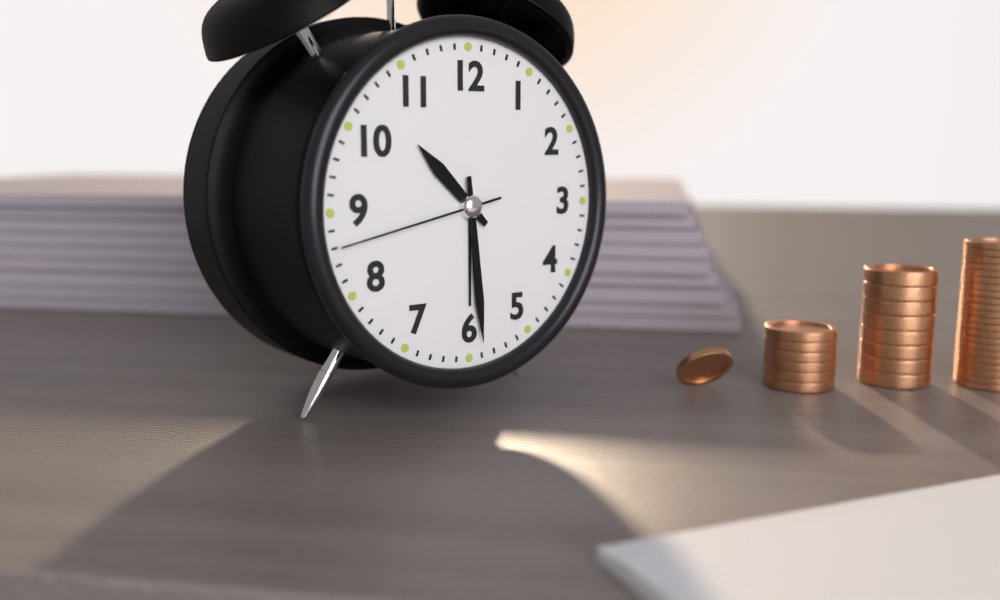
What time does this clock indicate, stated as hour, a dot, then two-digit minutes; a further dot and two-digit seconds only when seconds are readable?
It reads 10.29.43
